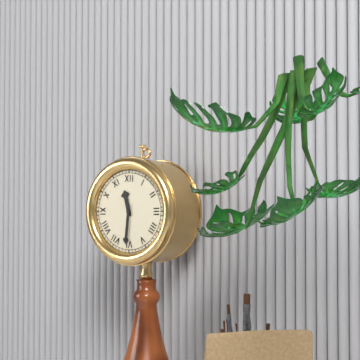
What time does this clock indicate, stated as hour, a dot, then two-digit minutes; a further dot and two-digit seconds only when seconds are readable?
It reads 11.31
